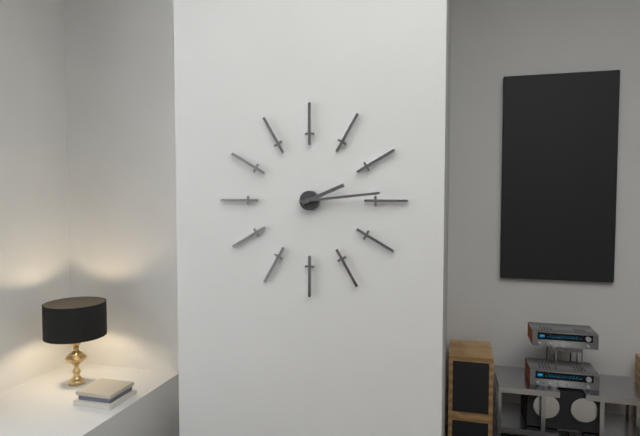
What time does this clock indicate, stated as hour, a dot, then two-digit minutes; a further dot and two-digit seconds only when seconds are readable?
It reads 2.14
